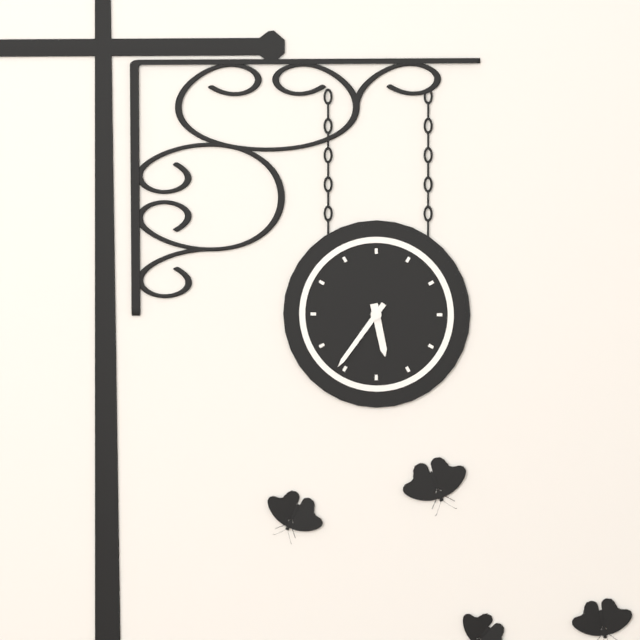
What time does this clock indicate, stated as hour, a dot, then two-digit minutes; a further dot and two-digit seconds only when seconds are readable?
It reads 5.36
